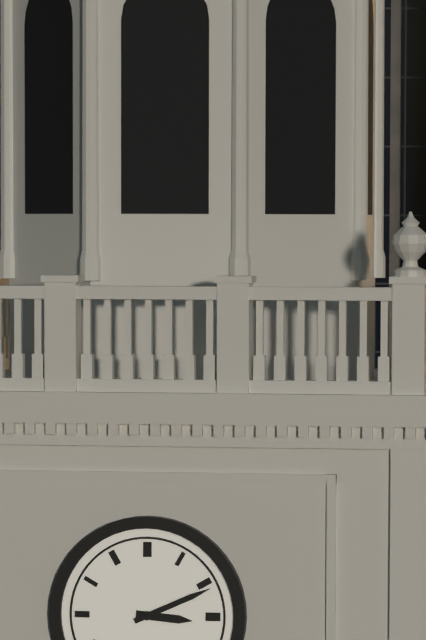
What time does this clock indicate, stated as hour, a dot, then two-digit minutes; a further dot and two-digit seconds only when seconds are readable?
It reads 3.11
